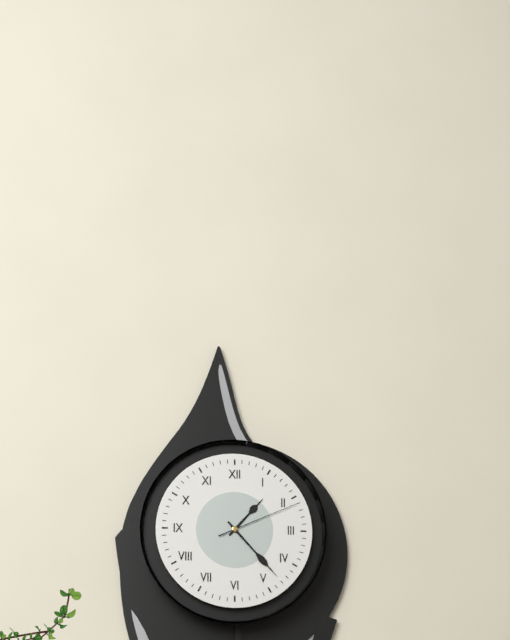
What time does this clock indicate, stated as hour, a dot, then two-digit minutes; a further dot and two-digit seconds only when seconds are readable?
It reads 1.23.11
